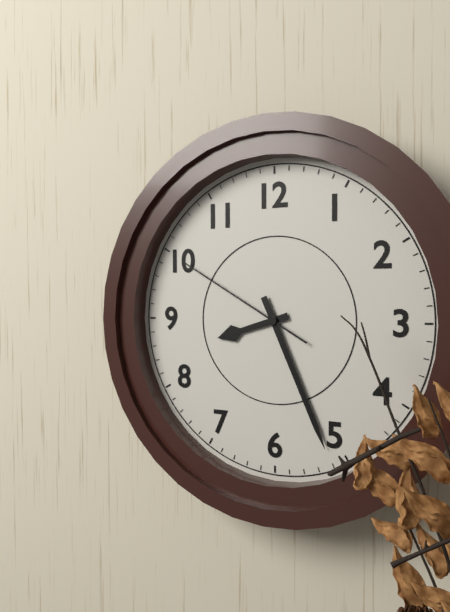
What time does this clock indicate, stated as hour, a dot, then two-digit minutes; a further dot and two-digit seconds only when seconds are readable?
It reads 8.26.50
